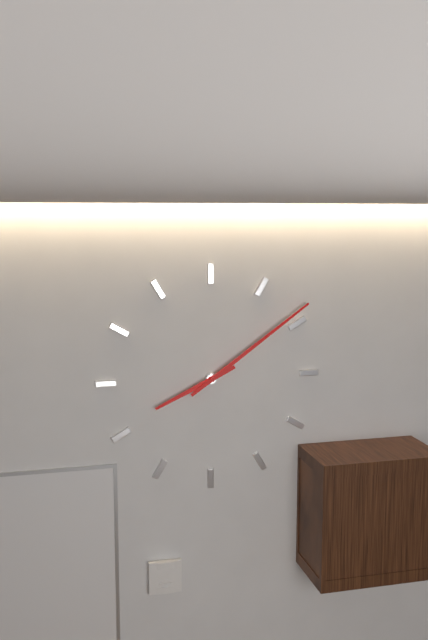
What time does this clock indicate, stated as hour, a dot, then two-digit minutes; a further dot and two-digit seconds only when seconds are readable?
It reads 8.09
